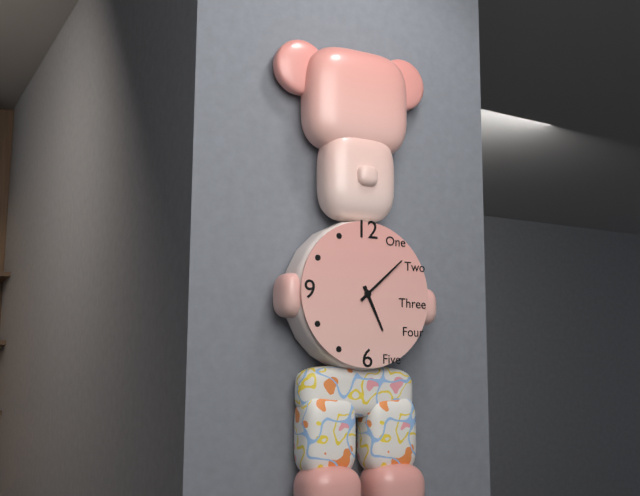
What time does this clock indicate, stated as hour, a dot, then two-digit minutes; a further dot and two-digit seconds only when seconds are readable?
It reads 5.08
